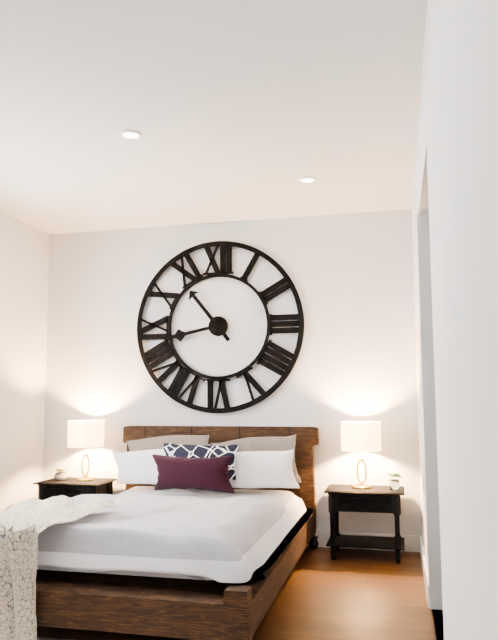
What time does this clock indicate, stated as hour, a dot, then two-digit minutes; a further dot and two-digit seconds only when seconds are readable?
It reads 10.43
